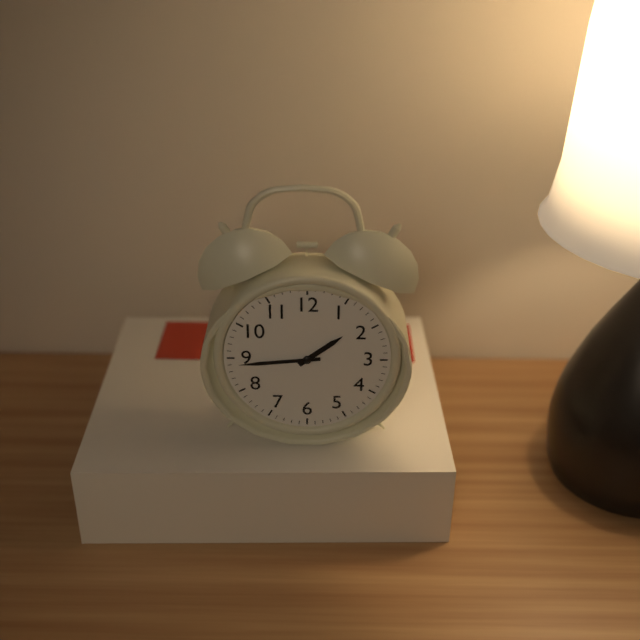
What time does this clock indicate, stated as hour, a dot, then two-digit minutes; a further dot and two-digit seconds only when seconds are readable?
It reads 1.44
